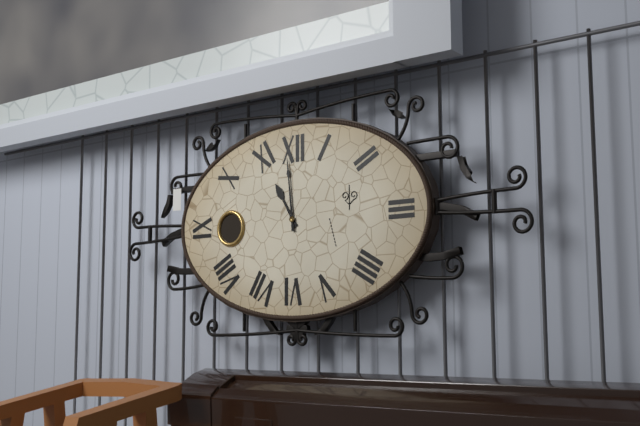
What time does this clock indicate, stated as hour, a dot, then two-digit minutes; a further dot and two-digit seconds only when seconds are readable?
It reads 10.59
